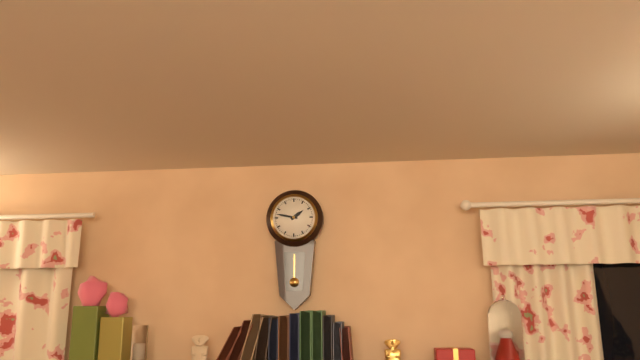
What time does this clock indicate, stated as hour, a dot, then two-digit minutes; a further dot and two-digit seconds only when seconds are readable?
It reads 1.47
